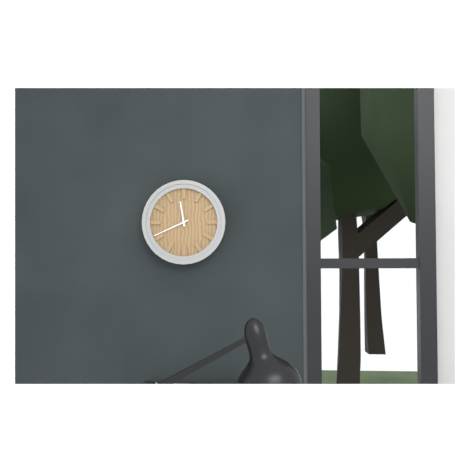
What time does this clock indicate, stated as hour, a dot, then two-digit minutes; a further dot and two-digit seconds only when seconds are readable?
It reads 11.41
